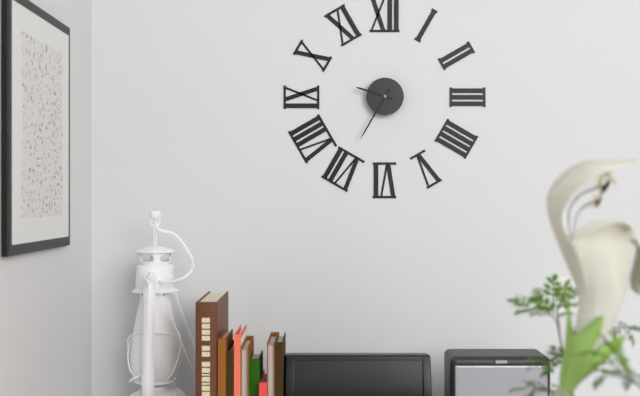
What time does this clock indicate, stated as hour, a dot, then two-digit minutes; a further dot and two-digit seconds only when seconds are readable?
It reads 9.35
